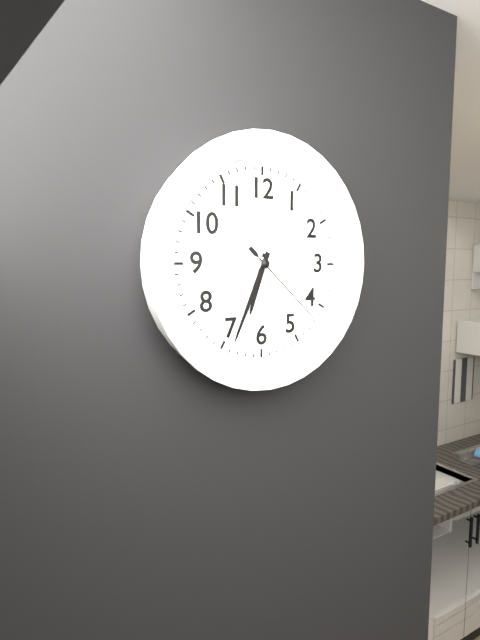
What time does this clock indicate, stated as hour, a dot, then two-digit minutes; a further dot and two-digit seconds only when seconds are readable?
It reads 6.34.22
